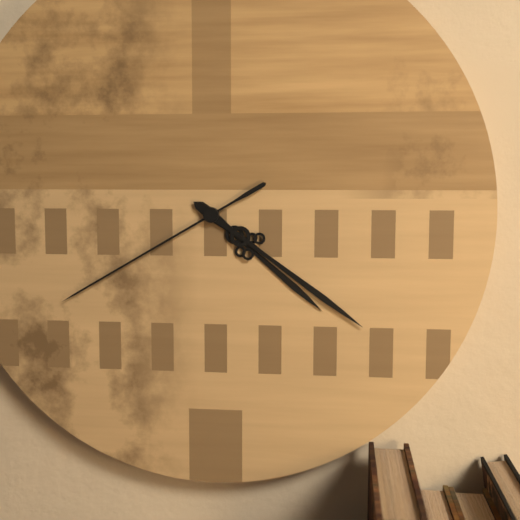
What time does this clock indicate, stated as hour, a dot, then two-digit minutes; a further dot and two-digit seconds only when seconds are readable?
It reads 4.21.40
